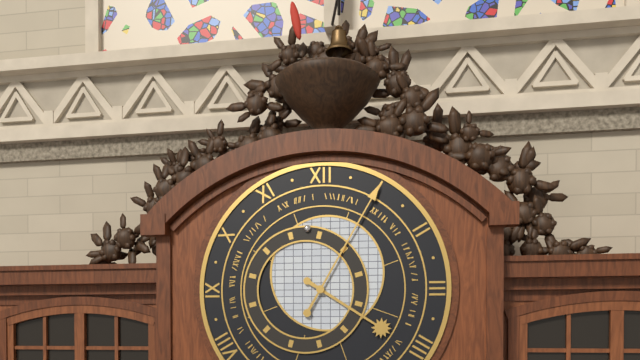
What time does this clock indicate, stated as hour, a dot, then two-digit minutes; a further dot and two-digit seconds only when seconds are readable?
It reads 4.05
